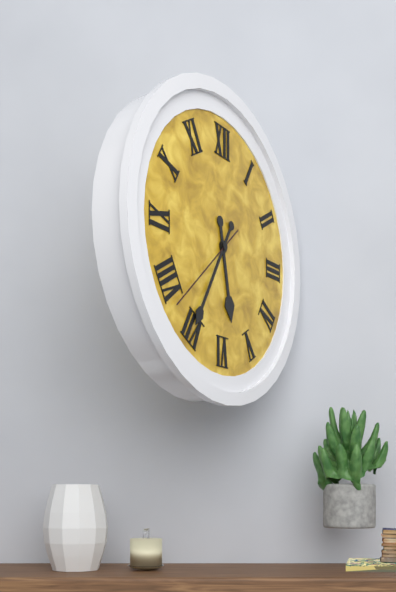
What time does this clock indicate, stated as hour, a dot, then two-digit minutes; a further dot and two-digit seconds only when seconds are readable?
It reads 5.35.38
